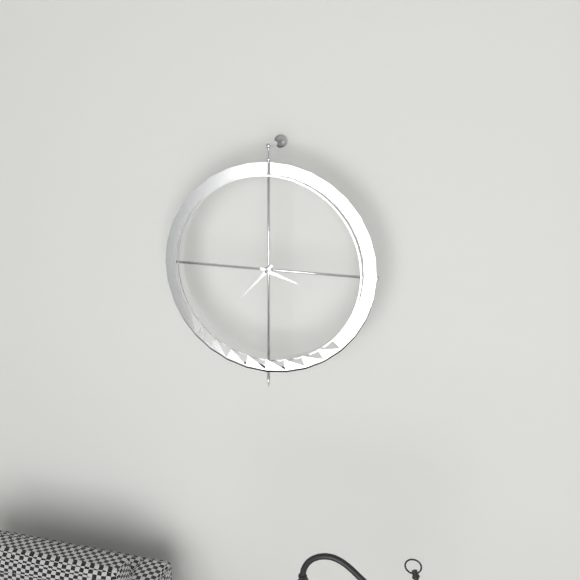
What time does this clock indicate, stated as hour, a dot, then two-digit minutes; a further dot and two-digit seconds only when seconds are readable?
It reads 3.37
